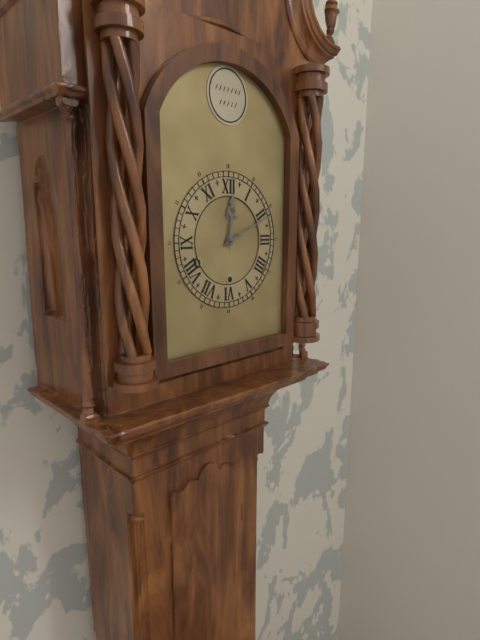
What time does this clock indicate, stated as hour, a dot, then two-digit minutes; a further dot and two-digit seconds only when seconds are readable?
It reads 12.11
